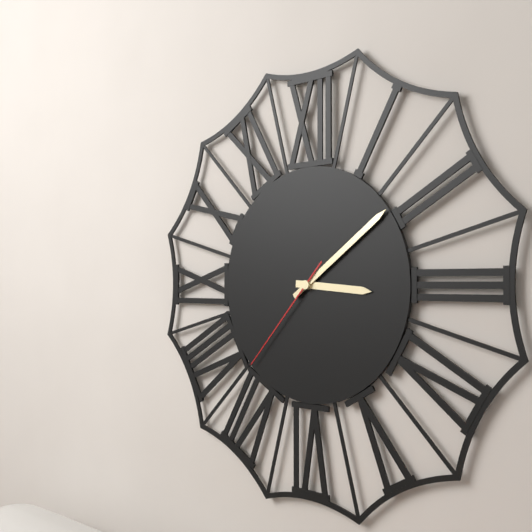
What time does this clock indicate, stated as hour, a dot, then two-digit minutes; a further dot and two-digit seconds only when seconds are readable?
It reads 3.09.37
